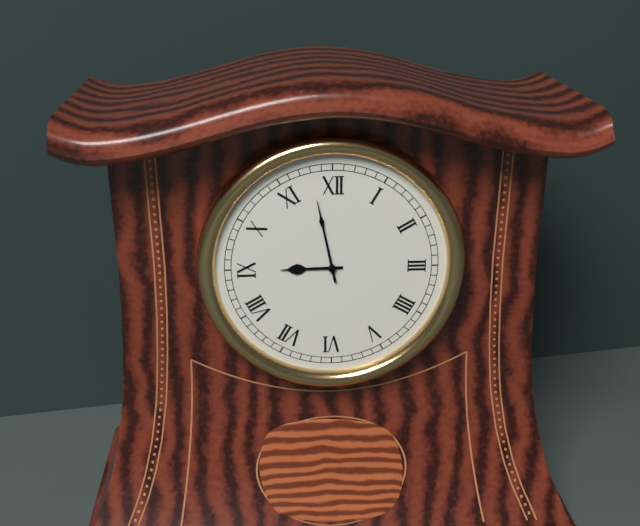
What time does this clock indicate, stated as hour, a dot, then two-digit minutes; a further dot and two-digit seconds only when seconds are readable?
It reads 8.58
